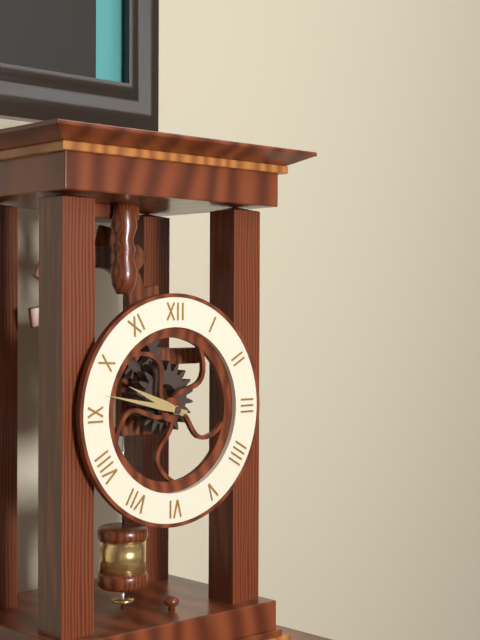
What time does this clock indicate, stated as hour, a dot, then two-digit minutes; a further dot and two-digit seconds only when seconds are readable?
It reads 9.47
